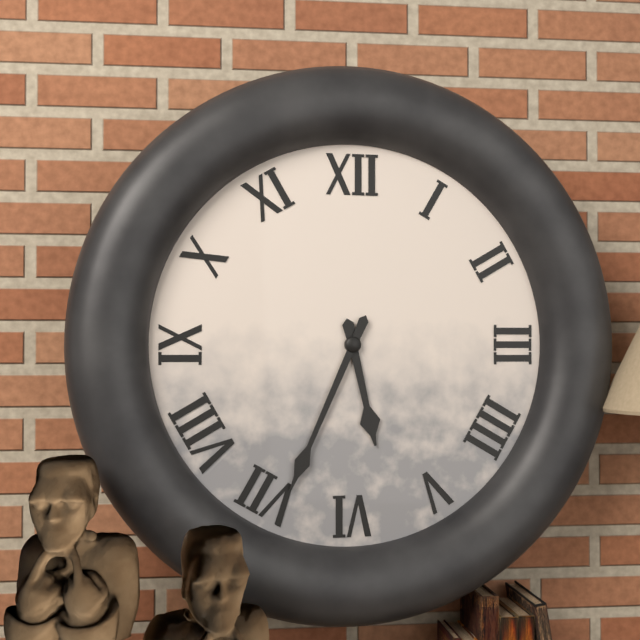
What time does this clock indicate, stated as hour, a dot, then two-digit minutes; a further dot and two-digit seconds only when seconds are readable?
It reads 5.34
